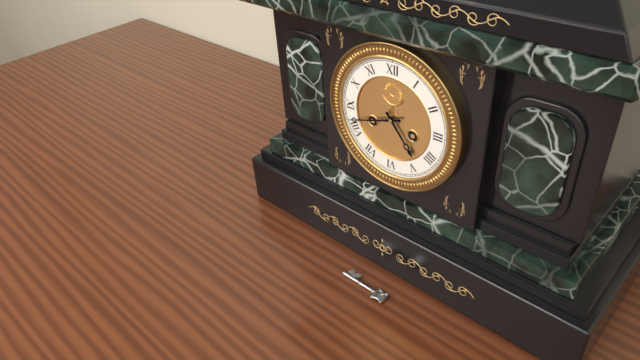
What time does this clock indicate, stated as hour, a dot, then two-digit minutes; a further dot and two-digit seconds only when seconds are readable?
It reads 4.42
